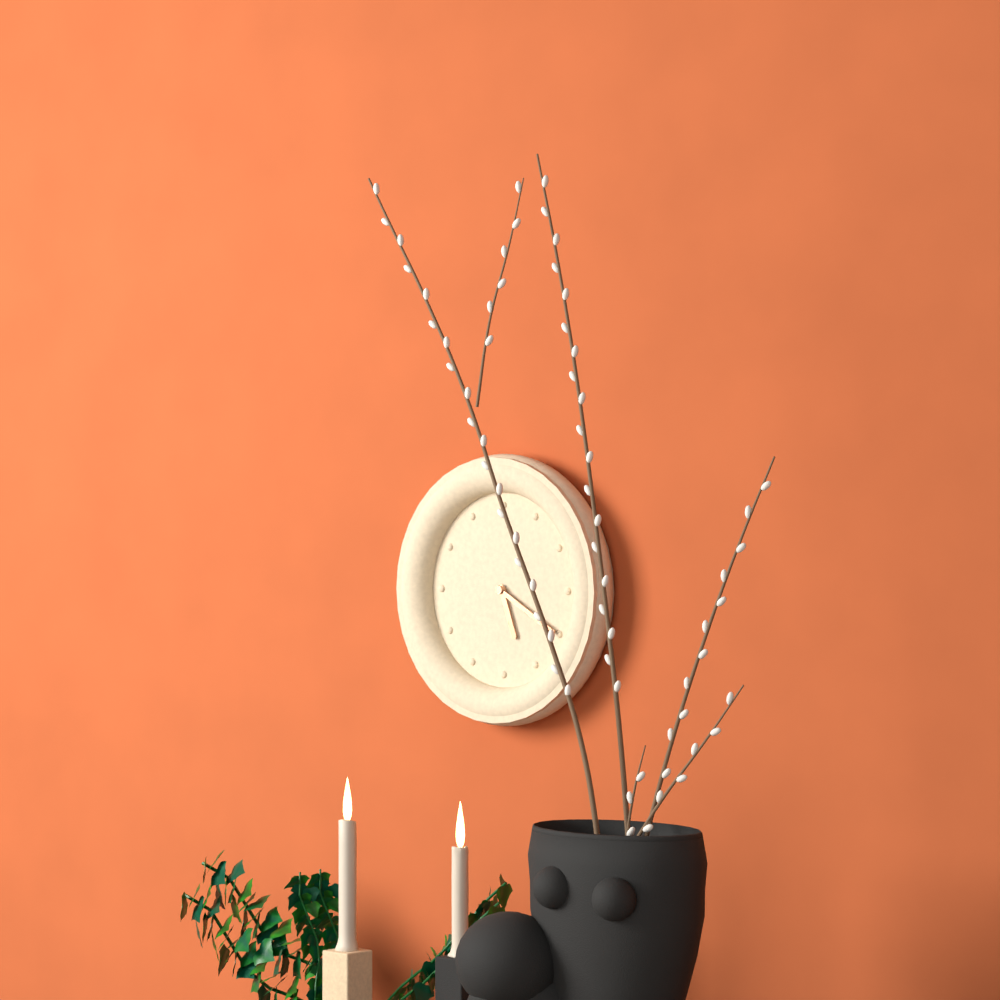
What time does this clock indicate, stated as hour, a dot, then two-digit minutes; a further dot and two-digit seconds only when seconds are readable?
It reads 5.20
